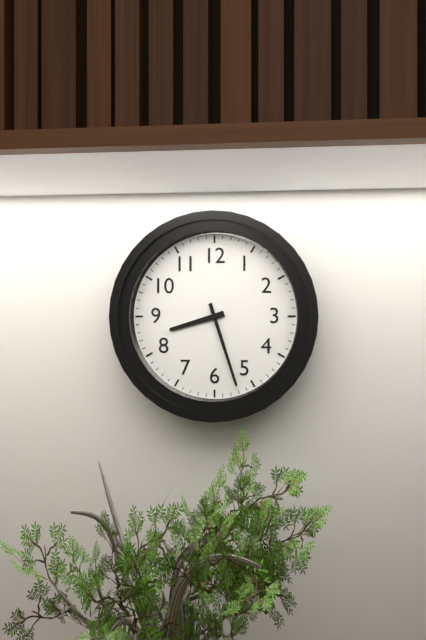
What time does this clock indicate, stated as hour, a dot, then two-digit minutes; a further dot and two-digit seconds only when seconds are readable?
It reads 8.27
